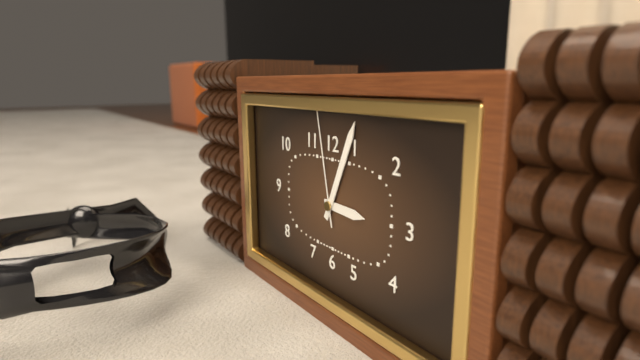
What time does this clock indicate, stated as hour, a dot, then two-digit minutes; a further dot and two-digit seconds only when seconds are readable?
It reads 3.04.58
